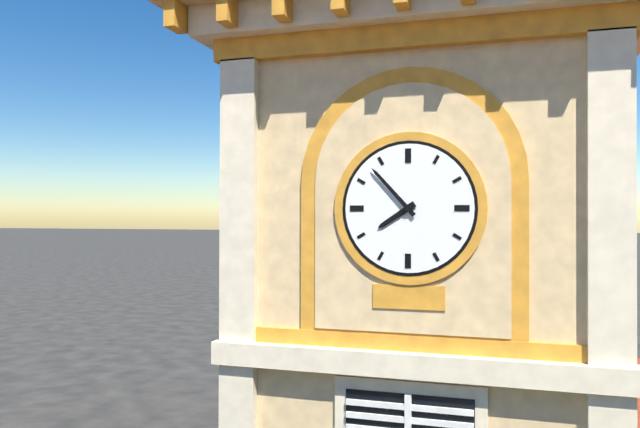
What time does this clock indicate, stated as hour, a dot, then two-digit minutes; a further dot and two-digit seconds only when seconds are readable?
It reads 7.53
